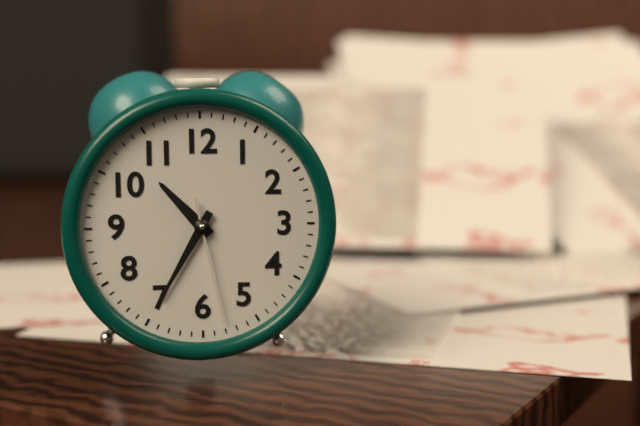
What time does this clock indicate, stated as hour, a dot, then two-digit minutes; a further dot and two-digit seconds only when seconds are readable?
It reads 10.35.28
